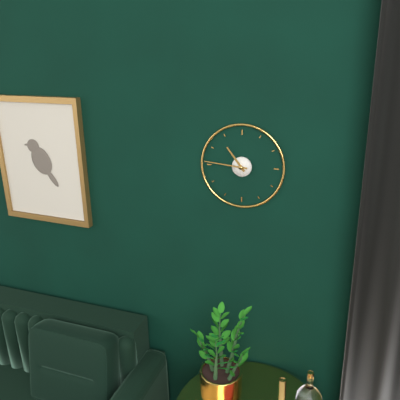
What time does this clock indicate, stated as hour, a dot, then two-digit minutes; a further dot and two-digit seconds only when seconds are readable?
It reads 10.46
